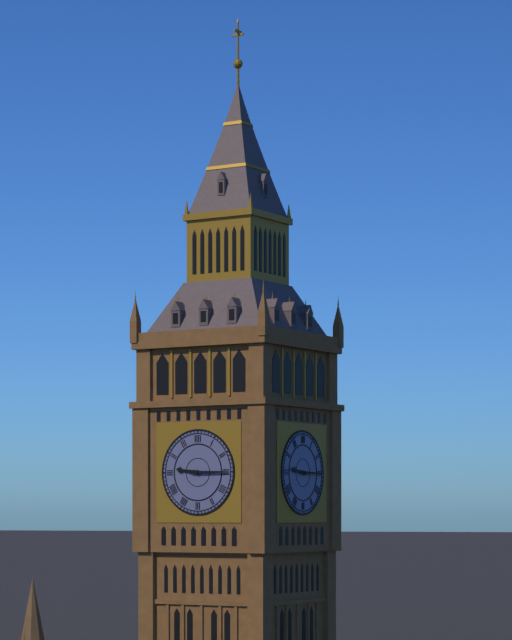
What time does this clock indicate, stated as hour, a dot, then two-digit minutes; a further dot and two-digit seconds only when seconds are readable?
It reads 9.15
